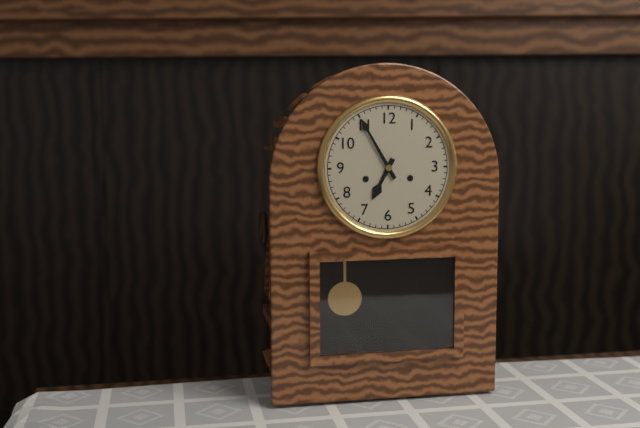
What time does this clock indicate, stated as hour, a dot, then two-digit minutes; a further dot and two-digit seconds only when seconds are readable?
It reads 6.55
